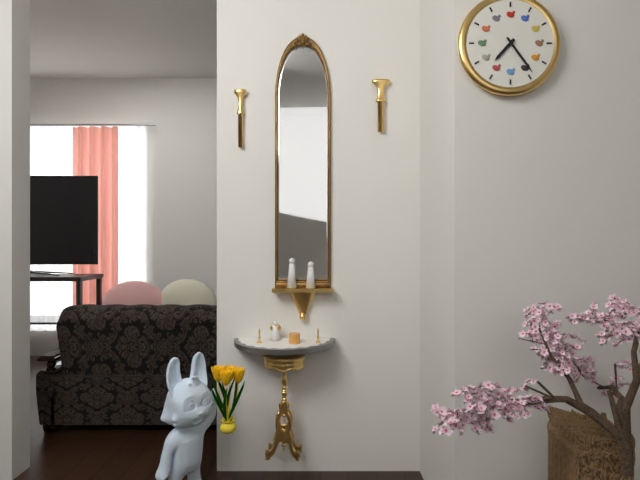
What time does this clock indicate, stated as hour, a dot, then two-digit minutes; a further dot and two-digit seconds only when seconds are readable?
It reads 7.24
